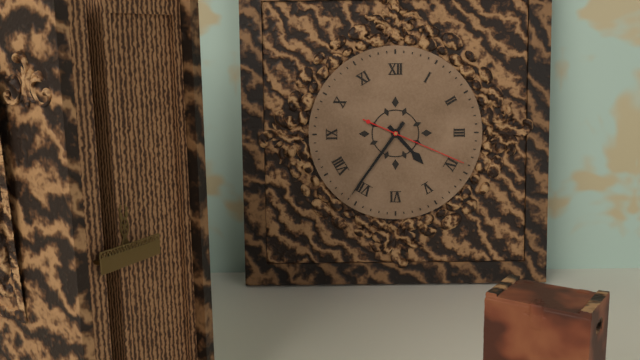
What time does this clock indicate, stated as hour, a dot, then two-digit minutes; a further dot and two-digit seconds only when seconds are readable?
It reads 4.36.19
